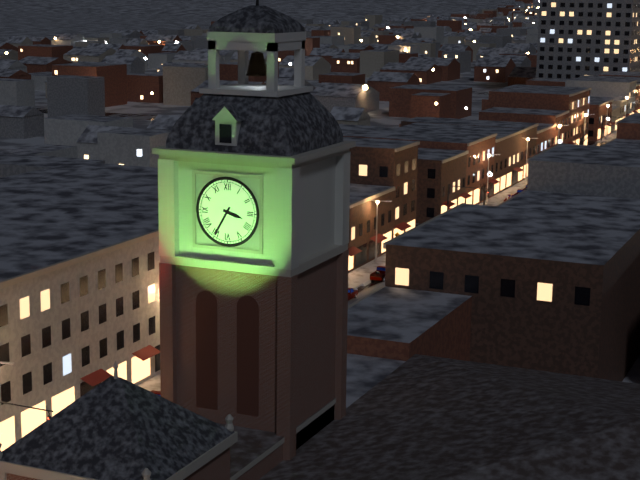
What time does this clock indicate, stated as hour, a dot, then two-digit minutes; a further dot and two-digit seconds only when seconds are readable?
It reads 3.35
